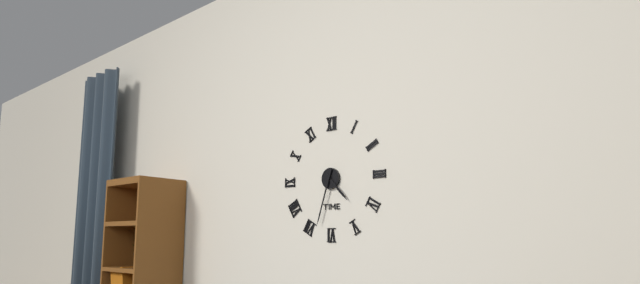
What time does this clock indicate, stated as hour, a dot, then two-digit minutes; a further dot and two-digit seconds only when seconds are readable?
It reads 4.33
